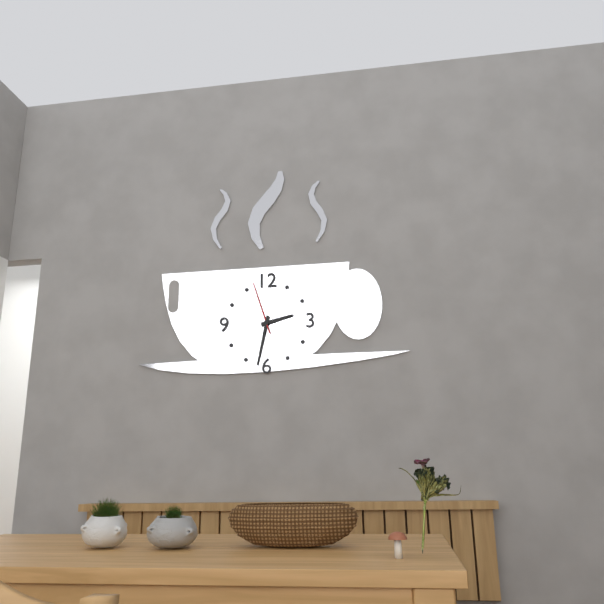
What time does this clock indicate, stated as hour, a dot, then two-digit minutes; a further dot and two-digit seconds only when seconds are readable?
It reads 2.32.57
